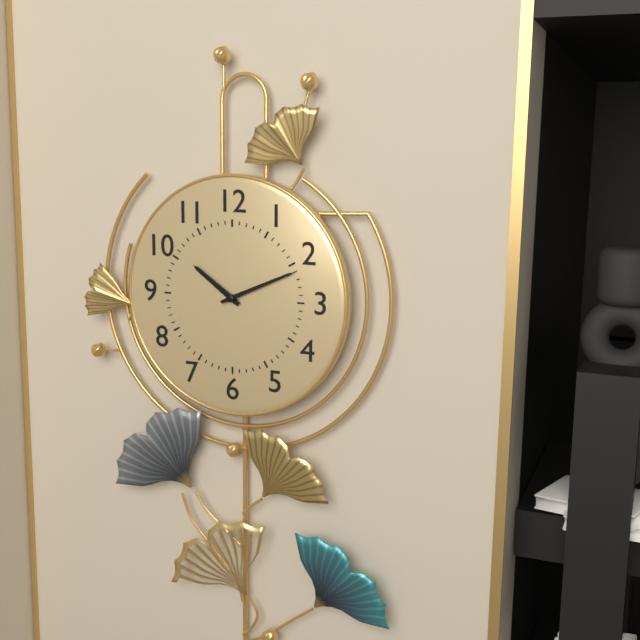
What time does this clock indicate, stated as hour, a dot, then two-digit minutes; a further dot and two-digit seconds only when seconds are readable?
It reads 10.11
